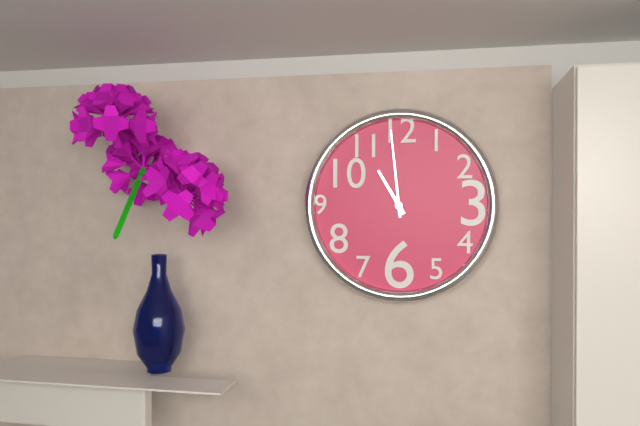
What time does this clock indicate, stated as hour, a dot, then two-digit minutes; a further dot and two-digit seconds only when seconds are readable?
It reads 10.59
